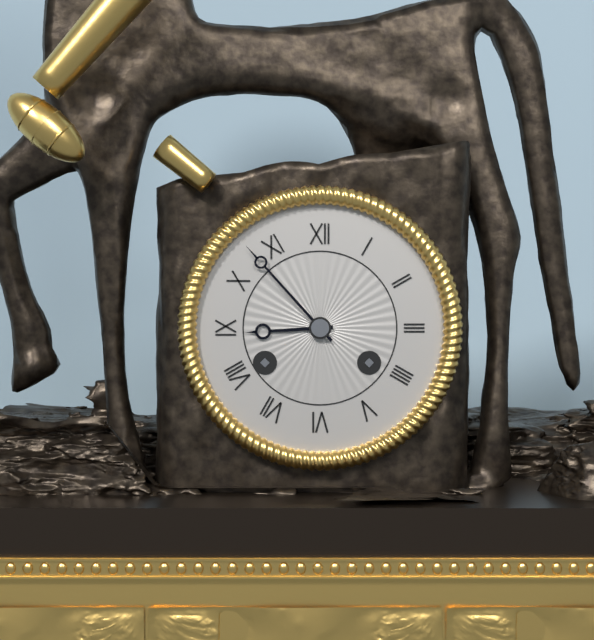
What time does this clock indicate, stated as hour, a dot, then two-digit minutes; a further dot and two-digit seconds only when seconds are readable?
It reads 8.53
